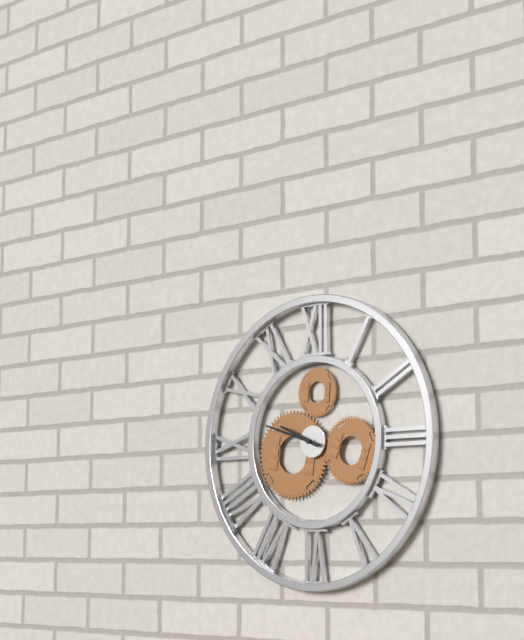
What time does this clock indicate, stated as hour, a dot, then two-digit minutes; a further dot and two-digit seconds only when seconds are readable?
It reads 9.48
